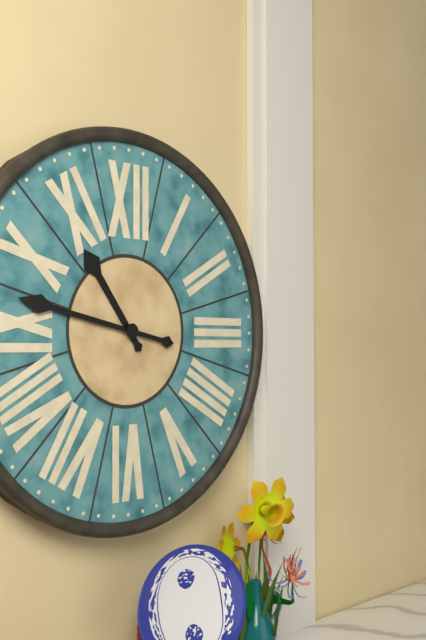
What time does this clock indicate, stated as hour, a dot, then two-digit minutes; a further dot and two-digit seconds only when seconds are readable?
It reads 10.47
